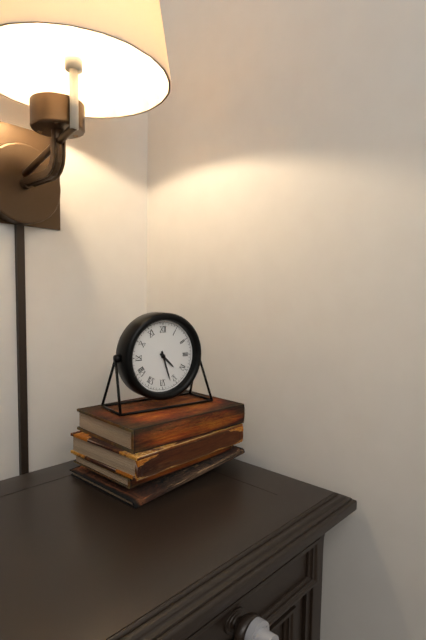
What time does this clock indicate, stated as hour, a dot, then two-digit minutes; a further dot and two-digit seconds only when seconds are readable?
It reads 4.27
